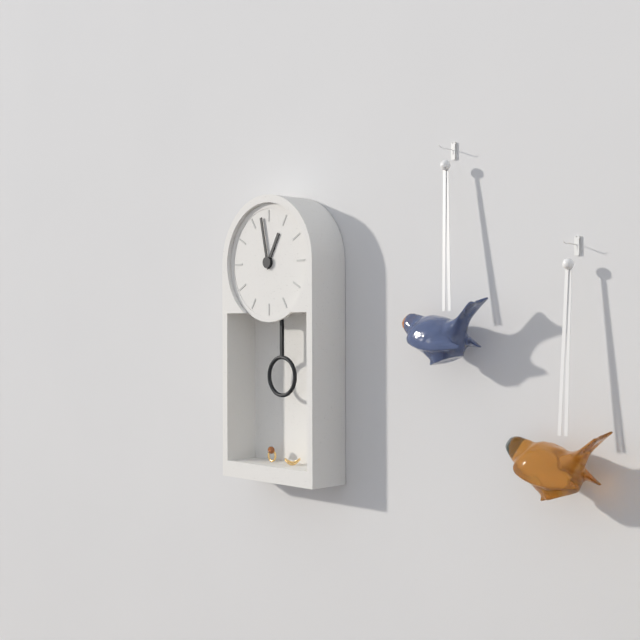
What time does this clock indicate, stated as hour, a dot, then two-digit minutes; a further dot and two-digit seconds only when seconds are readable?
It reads 12.58
